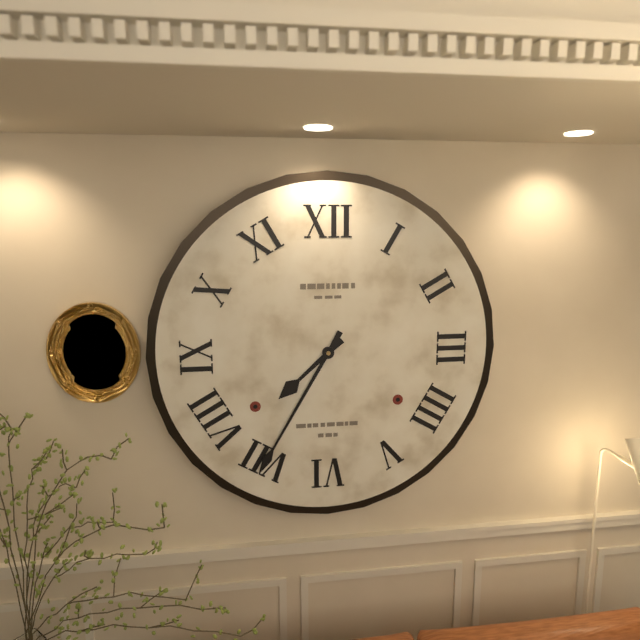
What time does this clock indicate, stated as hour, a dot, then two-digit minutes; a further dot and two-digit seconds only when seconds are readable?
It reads 7.35
